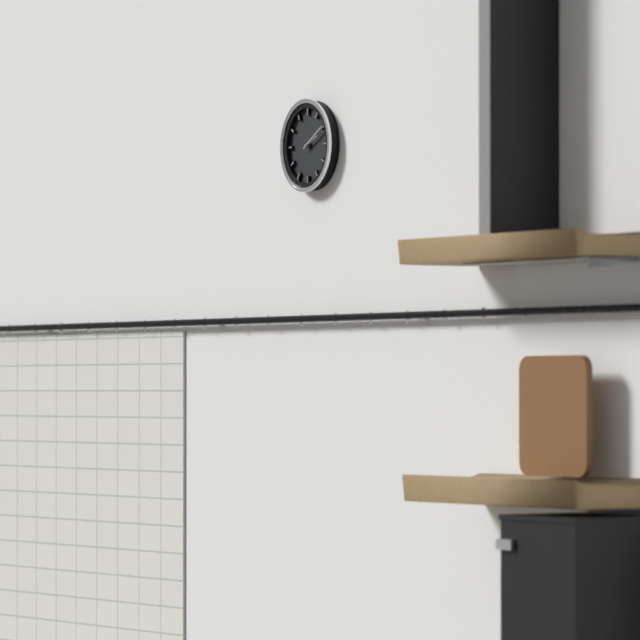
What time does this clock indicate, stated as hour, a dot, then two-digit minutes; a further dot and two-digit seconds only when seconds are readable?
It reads 2.10
